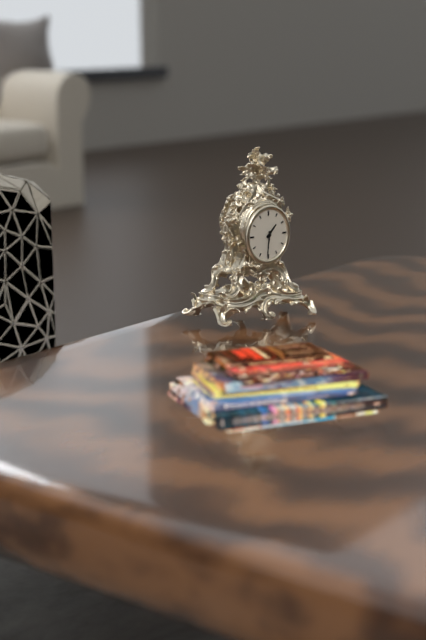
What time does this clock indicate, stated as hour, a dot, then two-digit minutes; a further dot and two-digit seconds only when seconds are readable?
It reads 1.31
